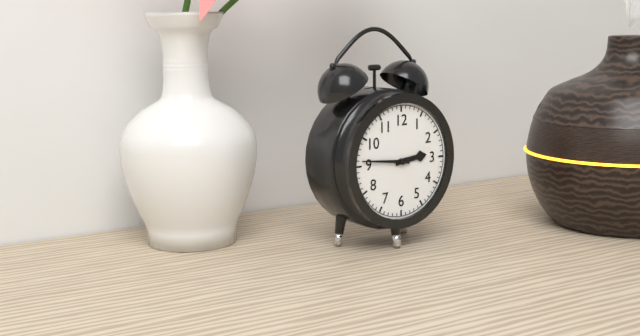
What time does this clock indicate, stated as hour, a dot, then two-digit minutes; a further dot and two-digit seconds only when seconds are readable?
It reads 2.46
